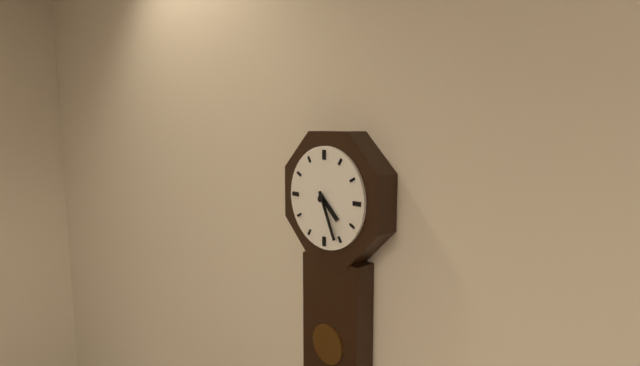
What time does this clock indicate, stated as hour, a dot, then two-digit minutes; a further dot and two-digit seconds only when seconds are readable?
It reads 4.26
